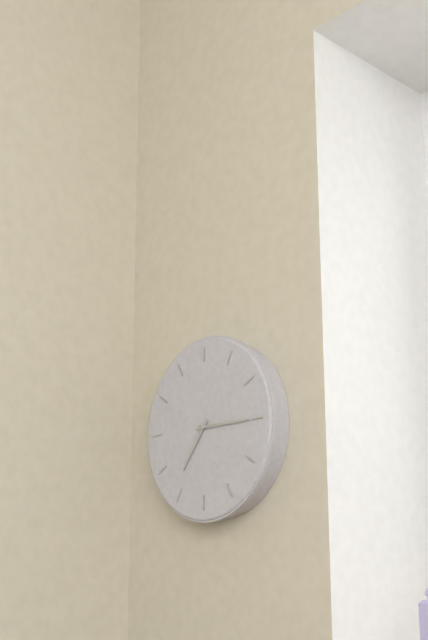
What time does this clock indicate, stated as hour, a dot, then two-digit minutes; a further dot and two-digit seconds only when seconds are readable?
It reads 7.15
